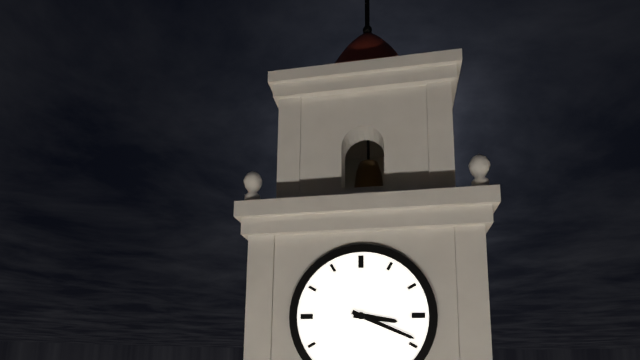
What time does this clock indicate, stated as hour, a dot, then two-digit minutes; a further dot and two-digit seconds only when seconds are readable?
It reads 3.19
